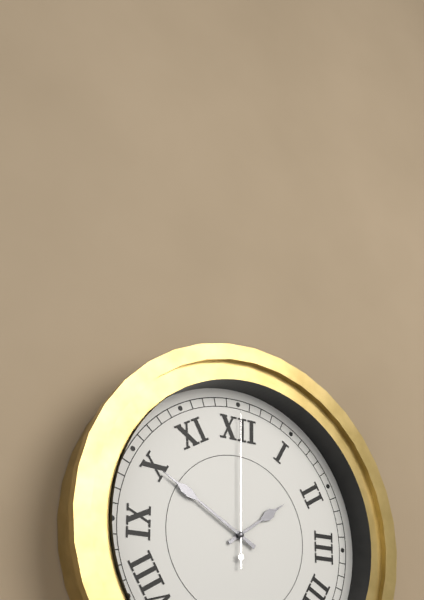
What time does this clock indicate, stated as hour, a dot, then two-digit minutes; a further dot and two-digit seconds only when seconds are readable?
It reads 1.50.00
